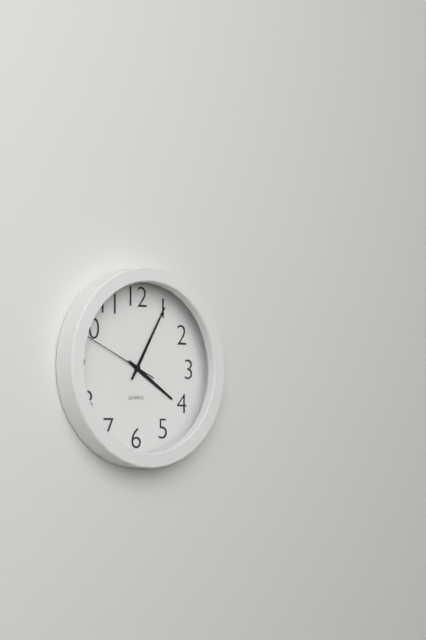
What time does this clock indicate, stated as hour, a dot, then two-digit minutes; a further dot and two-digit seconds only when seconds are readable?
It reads 4.05.49
